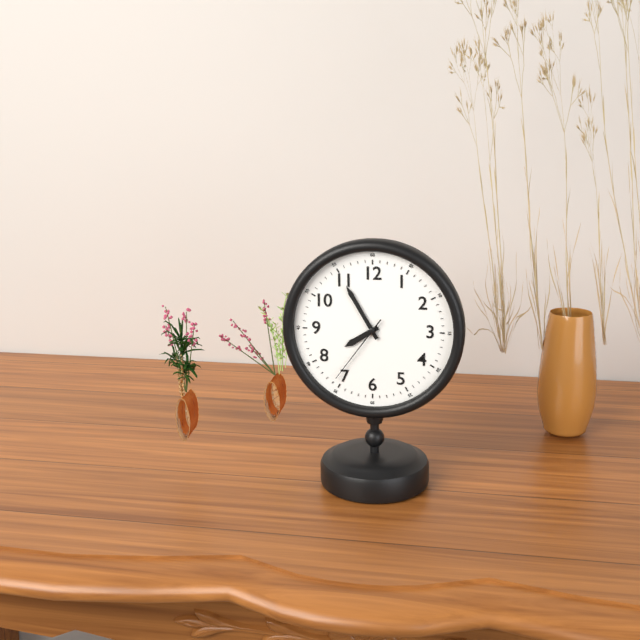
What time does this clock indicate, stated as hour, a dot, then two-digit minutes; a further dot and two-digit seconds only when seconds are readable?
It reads 7.55.36
